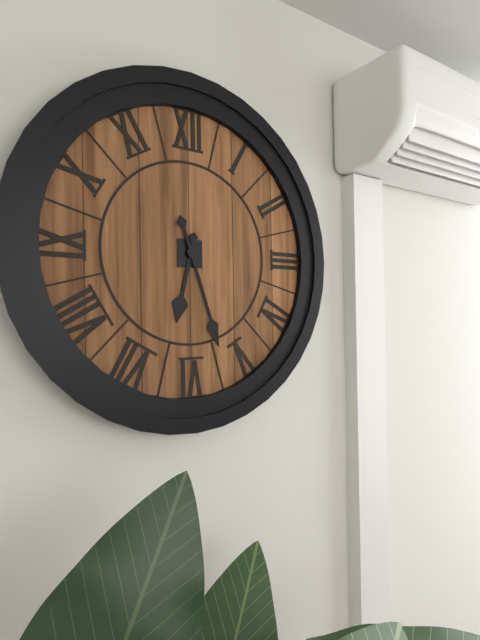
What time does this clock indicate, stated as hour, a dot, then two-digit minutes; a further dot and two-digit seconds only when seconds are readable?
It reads 6.27
